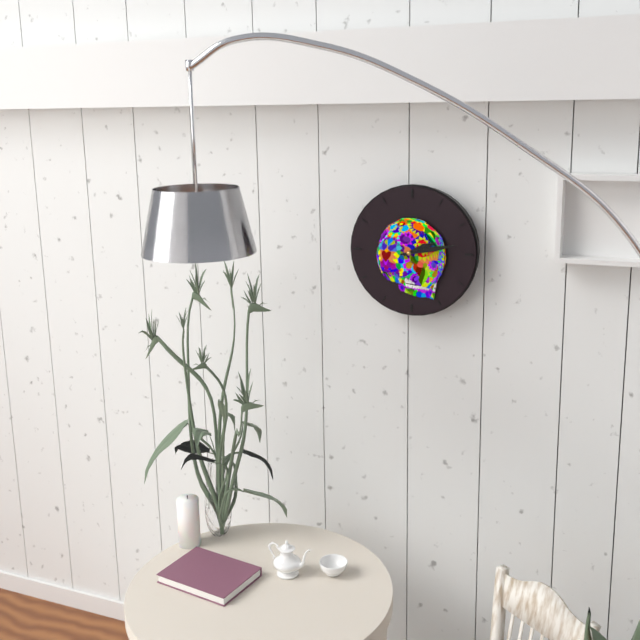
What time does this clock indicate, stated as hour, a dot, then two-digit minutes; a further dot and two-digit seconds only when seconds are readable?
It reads 2.13
